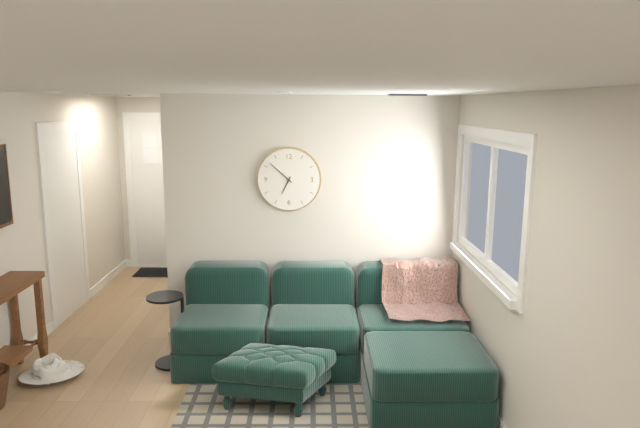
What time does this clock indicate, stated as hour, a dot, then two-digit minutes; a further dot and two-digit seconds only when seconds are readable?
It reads 6.52
